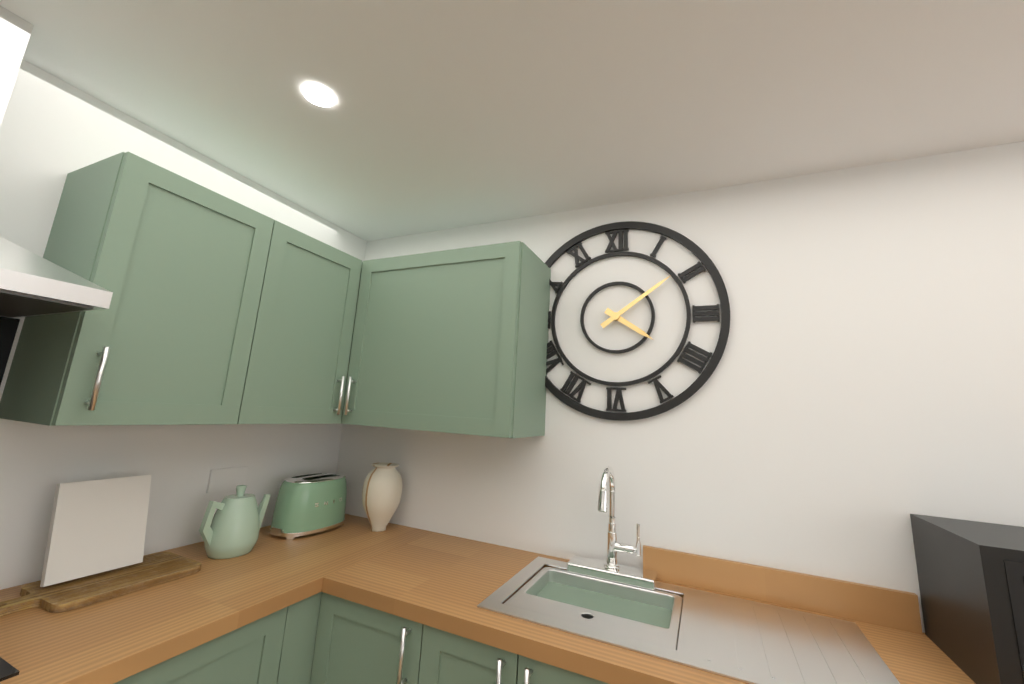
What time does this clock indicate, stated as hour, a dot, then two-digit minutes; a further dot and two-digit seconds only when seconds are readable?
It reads 4.09
